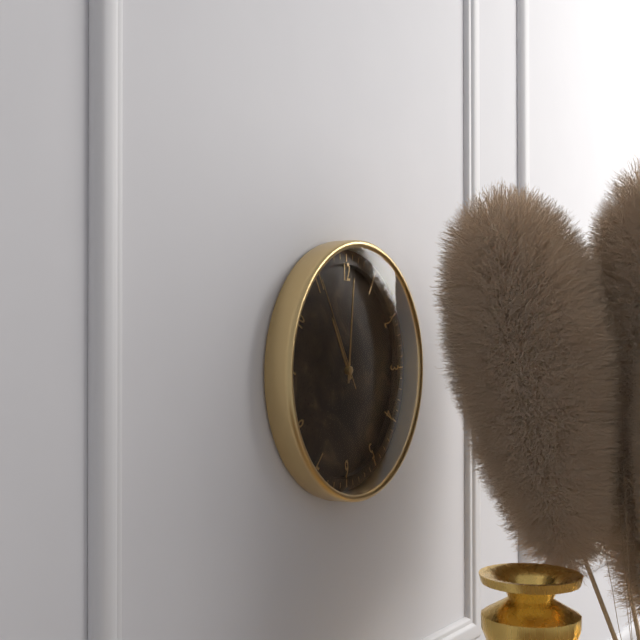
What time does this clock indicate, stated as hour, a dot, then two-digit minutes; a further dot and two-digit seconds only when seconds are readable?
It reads 11.01.55
